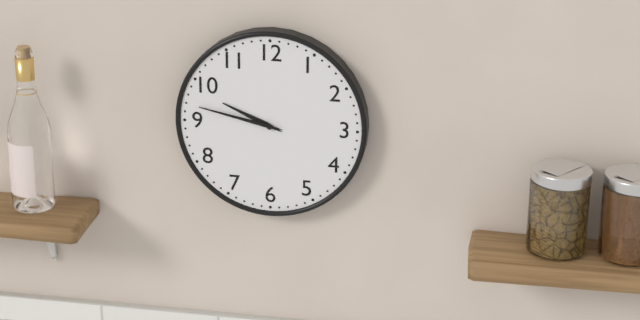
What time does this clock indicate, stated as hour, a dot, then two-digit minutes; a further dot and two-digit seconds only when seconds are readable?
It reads 9.47
